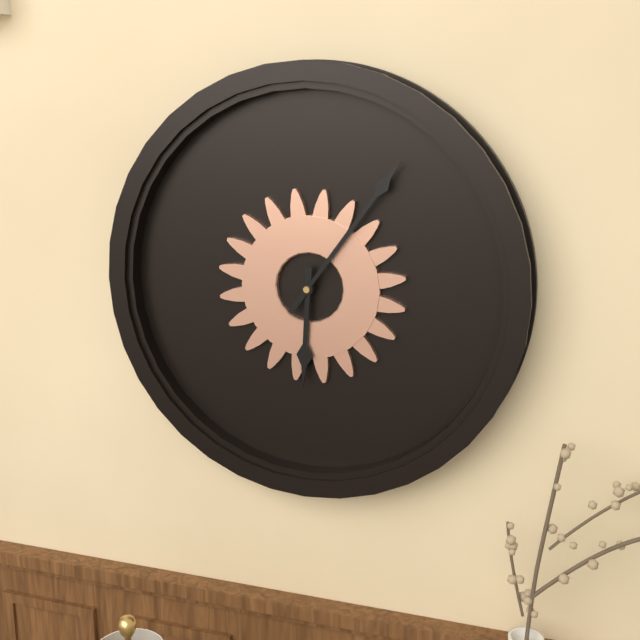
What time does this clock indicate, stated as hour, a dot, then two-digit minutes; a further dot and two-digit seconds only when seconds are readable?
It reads 6.06
